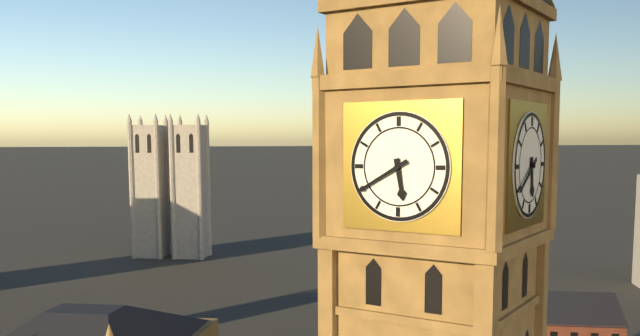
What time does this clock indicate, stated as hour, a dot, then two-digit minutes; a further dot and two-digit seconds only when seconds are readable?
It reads 5.40
